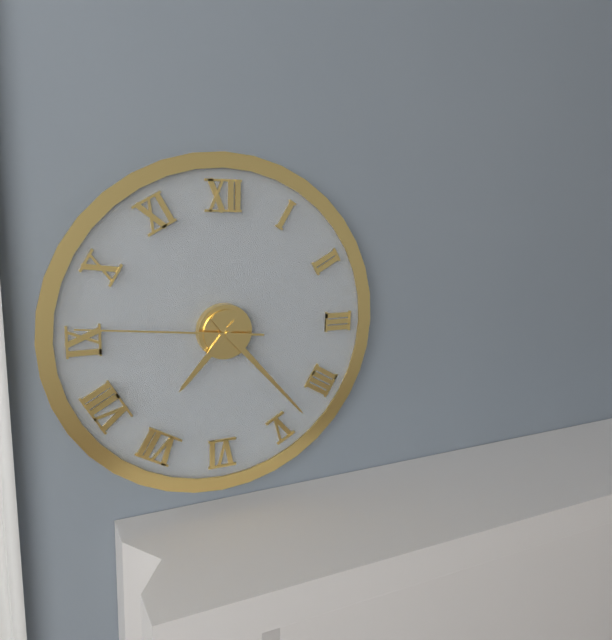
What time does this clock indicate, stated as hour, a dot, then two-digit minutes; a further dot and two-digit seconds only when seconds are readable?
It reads 7.23.46
